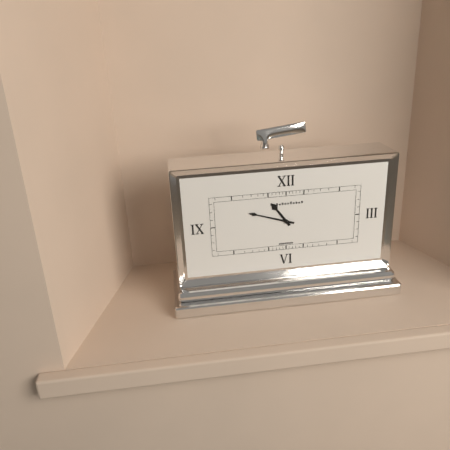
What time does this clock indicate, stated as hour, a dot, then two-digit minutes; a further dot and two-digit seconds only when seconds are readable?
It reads 10.48
